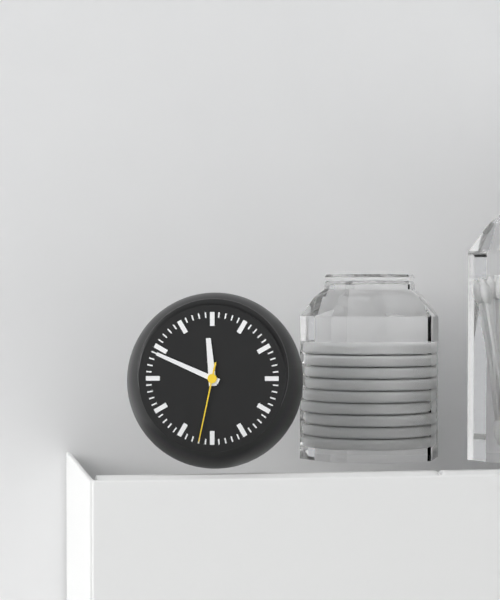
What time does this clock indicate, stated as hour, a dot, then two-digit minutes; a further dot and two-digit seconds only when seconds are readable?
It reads 11.49.32
